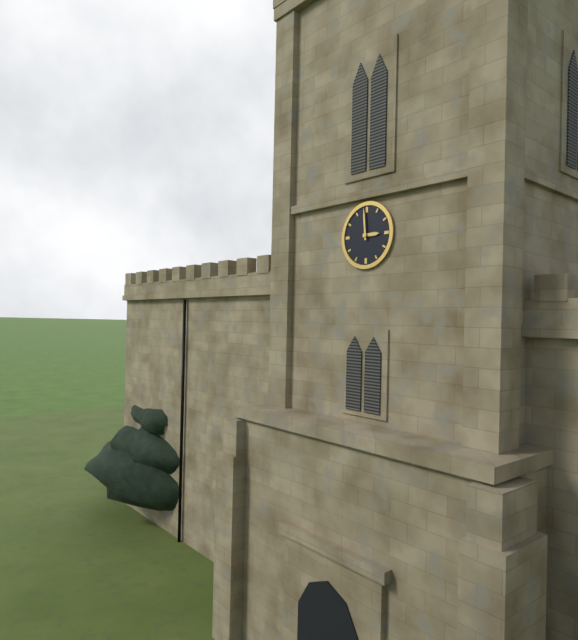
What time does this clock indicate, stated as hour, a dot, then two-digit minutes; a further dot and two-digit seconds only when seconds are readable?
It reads 2.59
